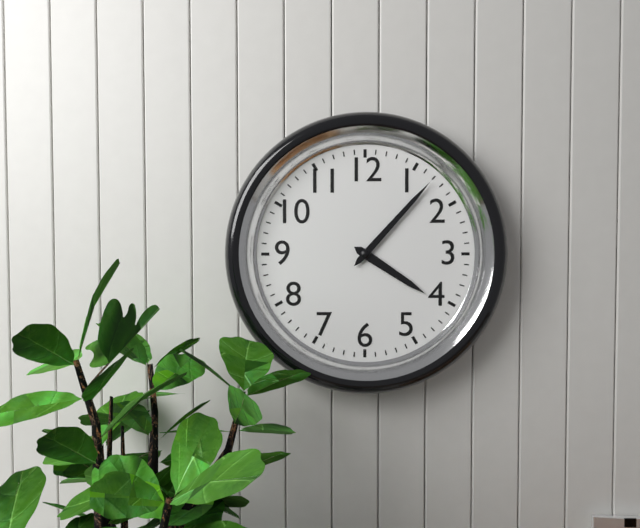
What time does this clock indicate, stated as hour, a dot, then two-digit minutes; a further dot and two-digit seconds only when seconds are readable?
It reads 4.07
